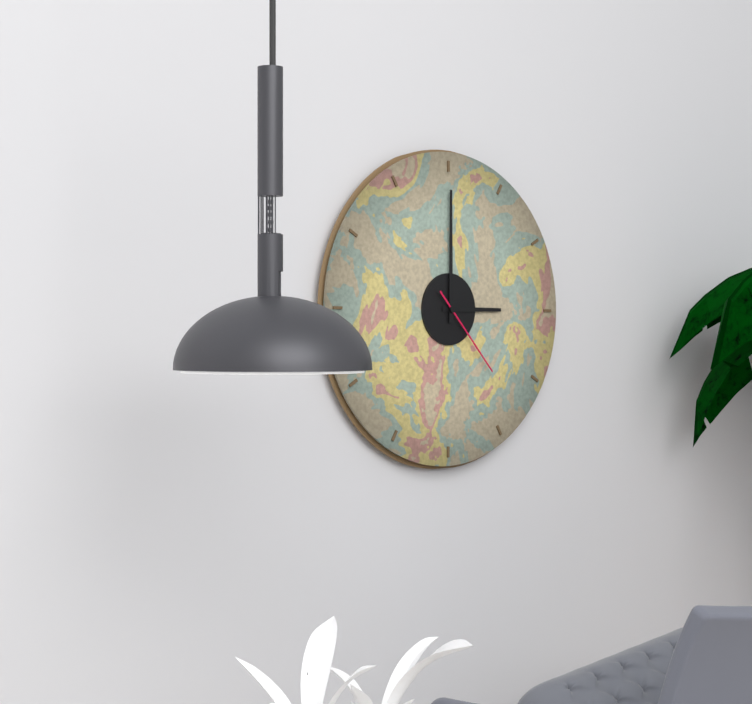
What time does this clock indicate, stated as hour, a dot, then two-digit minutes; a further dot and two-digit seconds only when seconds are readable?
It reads 3.00.23
